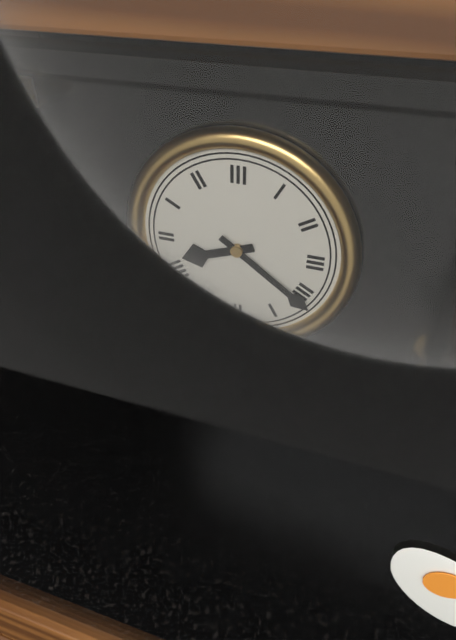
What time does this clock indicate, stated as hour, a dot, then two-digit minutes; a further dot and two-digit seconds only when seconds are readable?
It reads 8.21
